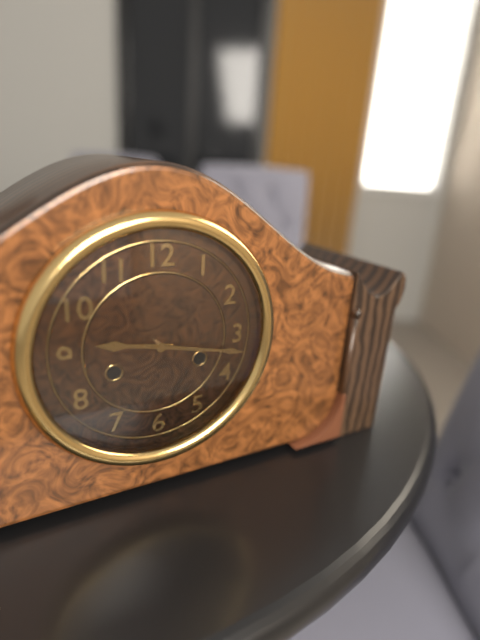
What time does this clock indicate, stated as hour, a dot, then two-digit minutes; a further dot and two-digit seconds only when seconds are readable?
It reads 9.17
